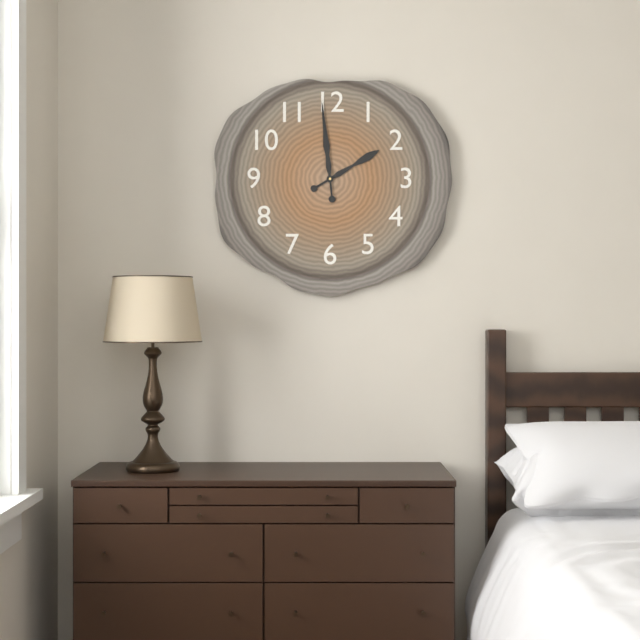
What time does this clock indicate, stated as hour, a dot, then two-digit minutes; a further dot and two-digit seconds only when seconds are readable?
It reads 1.59
